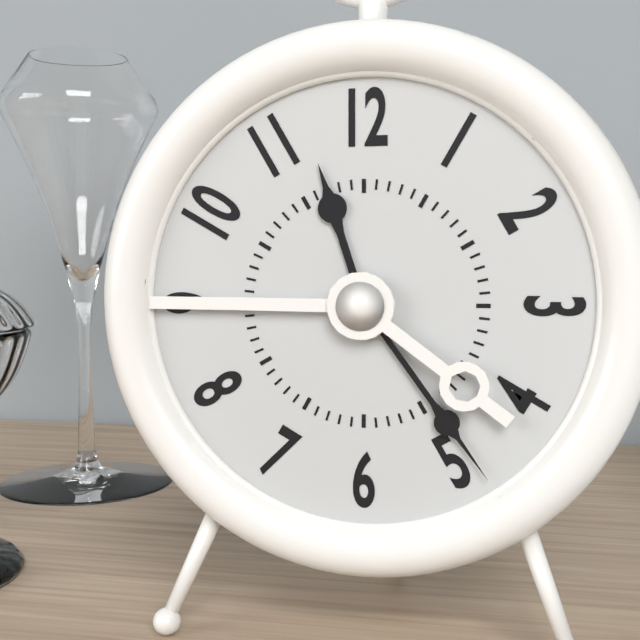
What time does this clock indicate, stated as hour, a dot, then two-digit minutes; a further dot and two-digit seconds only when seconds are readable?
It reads 11.24
